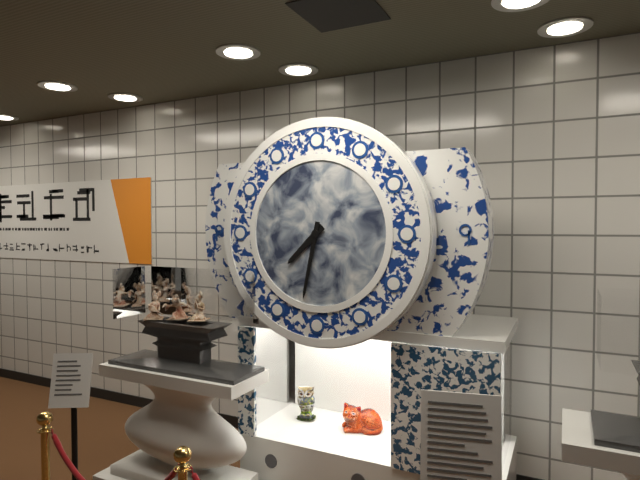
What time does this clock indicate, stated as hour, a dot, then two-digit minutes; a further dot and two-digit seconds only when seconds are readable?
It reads 7.32
